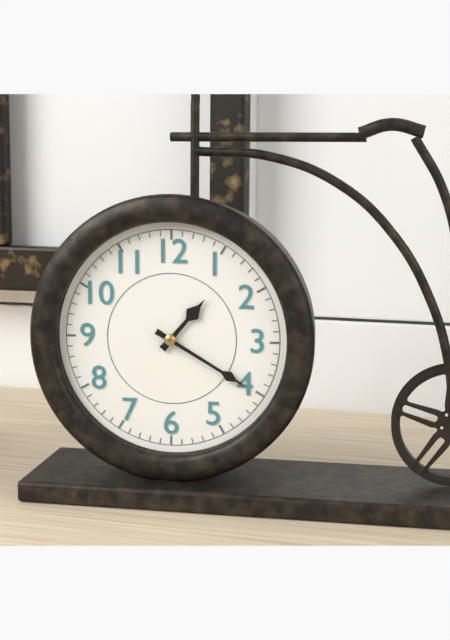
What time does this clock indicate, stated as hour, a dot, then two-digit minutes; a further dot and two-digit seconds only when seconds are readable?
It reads 1.20
